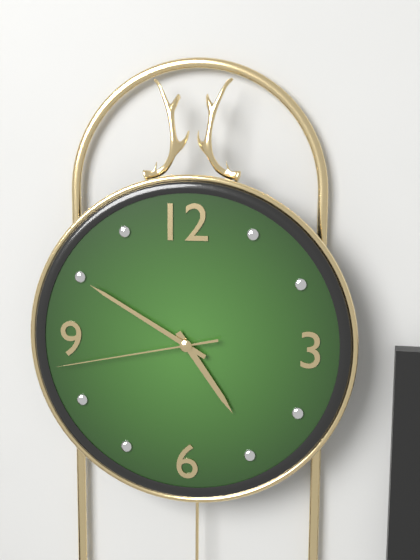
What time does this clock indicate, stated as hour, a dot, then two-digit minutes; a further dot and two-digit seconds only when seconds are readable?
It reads 4.50.43
